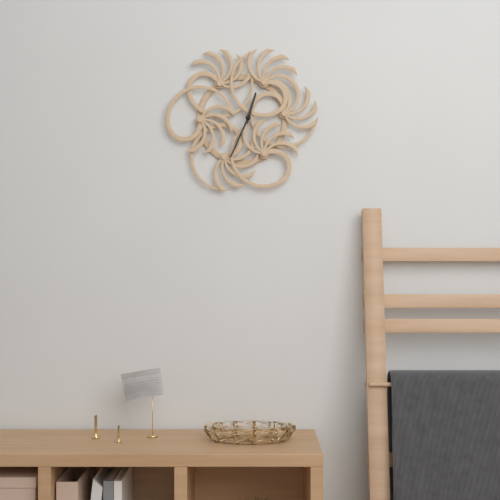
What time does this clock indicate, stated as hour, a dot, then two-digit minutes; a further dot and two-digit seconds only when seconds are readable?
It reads 12.34
